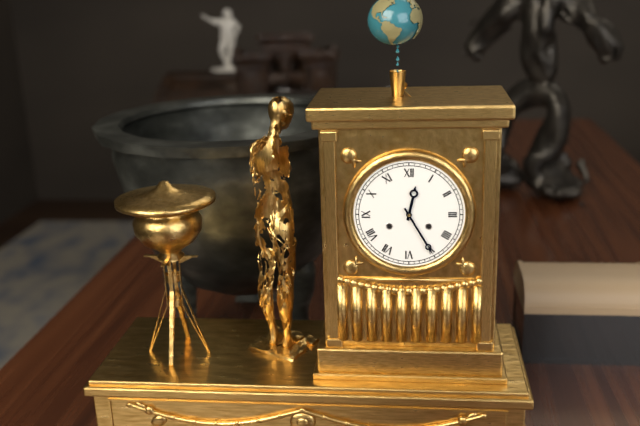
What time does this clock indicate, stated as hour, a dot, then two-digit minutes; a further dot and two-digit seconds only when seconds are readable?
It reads 12.25
